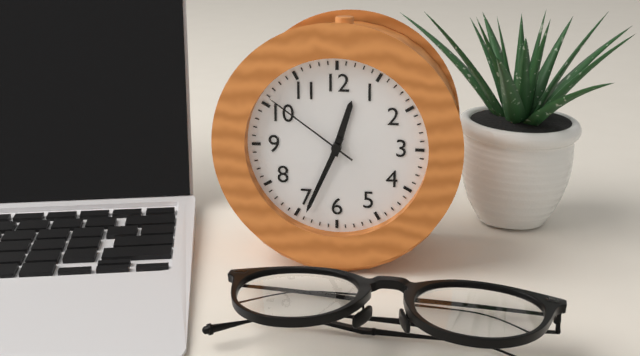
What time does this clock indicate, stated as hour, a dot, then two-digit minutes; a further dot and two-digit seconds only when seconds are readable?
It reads 12.34.51
